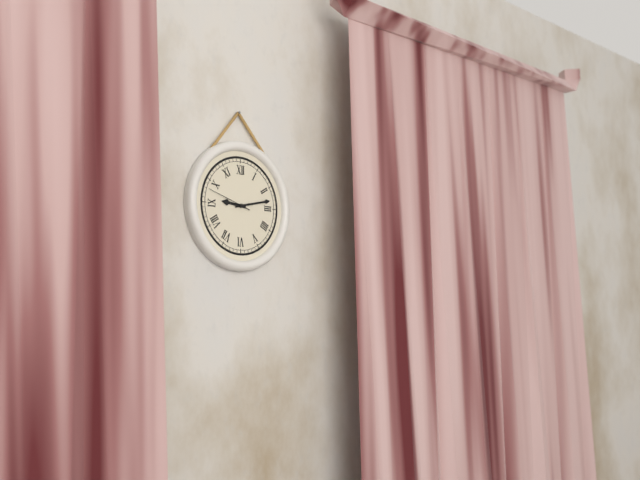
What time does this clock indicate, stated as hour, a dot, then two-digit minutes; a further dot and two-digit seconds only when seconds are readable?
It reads 9.13
